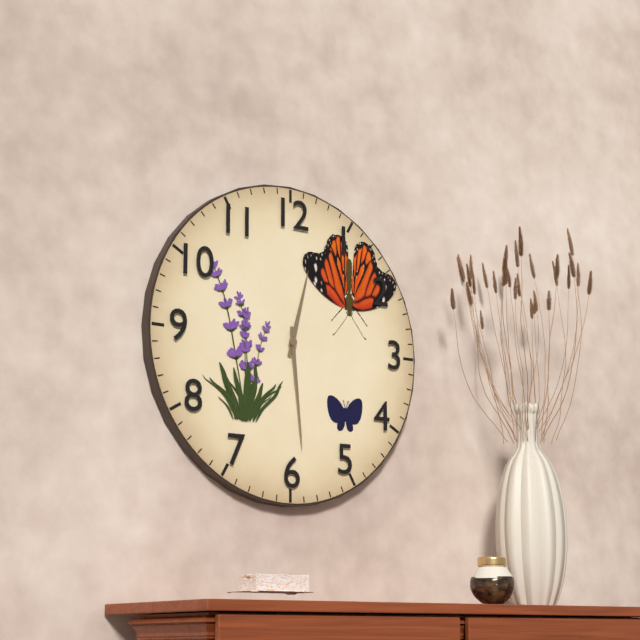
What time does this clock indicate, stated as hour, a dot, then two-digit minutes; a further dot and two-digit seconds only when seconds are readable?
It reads 12.29
